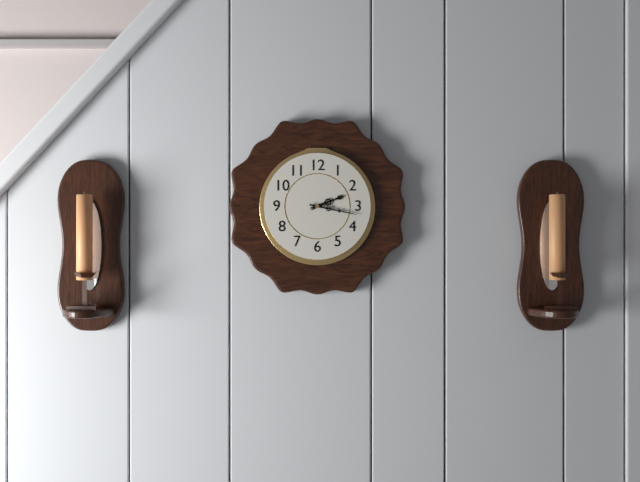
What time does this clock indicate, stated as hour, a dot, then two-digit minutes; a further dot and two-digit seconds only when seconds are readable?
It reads 2.17
